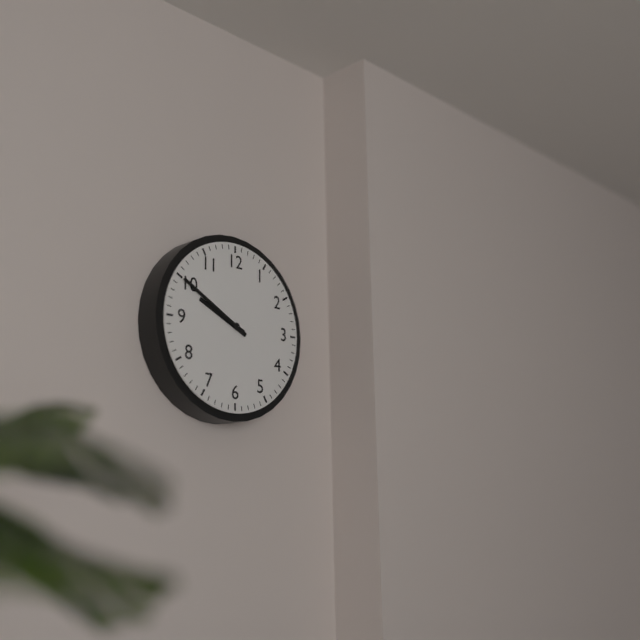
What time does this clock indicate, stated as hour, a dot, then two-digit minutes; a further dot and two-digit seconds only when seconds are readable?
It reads 9.50
